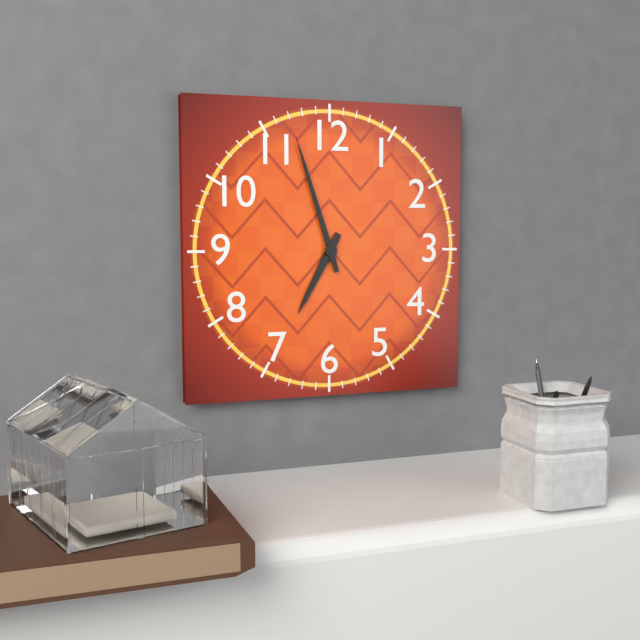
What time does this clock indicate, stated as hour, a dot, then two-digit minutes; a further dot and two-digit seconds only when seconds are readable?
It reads 6.57
